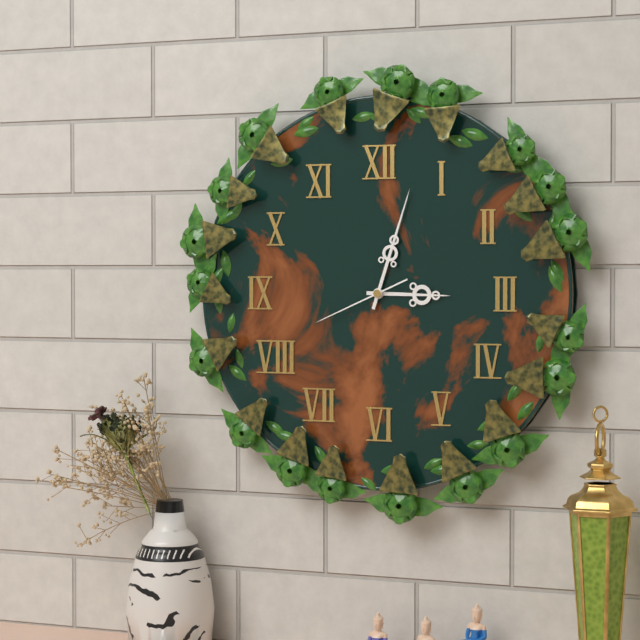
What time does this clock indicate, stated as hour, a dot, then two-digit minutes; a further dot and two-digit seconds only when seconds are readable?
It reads 3.03.41
